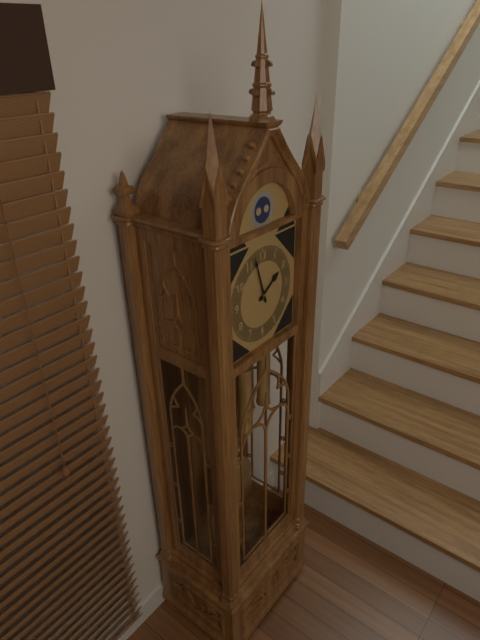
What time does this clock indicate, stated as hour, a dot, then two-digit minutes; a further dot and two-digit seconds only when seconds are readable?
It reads 1.57
